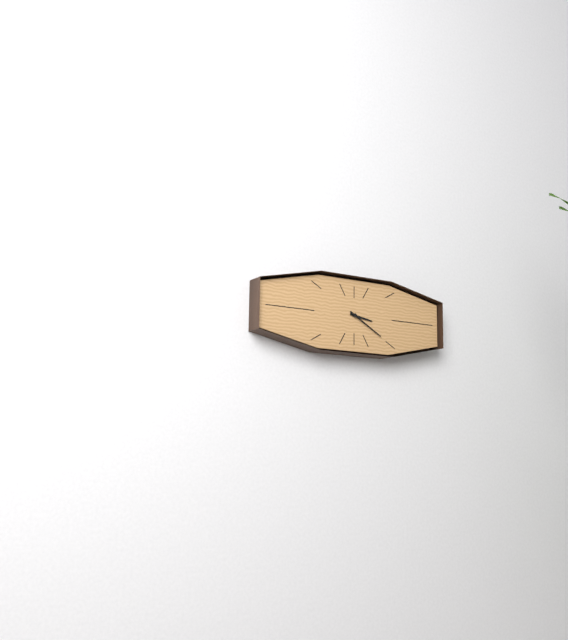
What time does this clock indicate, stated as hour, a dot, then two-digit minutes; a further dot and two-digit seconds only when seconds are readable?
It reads 3.20
